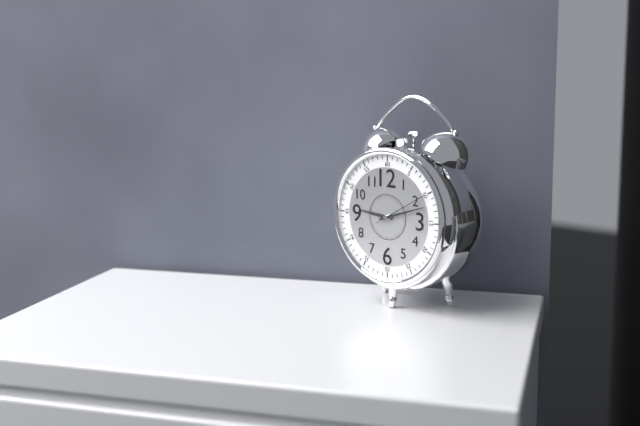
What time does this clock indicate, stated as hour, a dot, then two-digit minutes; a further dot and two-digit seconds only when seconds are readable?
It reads 9.12.10
